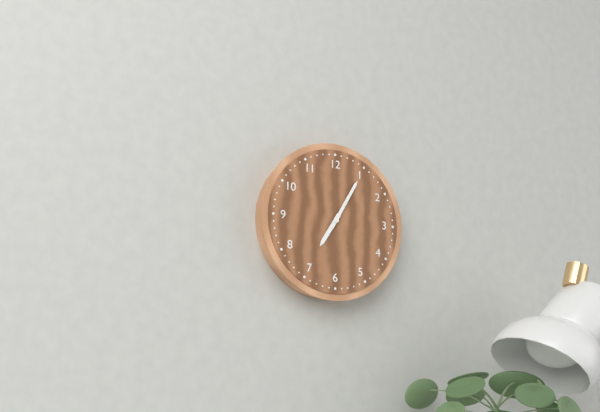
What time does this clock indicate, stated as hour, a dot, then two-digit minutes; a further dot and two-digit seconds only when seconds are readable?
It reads 7.05
